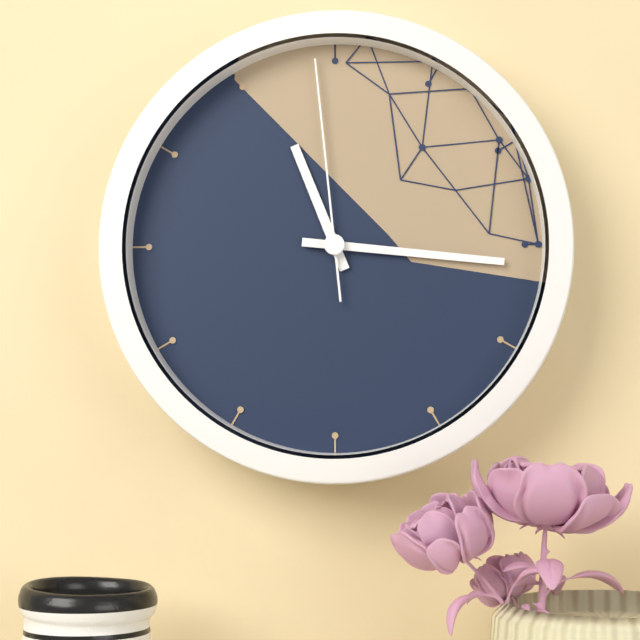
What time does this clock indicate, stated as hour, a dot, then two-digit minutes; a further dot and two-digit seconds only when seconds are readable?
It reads 11.16.59
